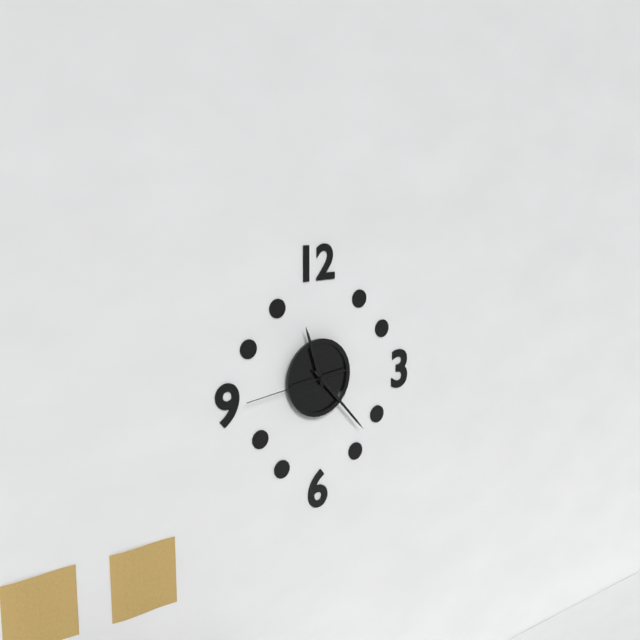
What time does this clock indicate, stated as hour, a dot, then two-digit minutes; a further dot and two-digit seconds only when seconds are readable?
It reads 11.23.44
